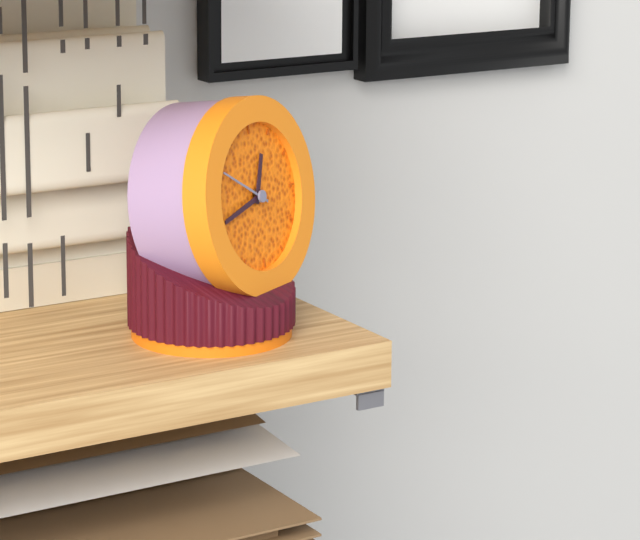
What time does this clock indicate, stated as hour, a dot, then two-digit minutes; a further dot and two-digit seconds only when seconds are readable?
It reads 12.43.50
